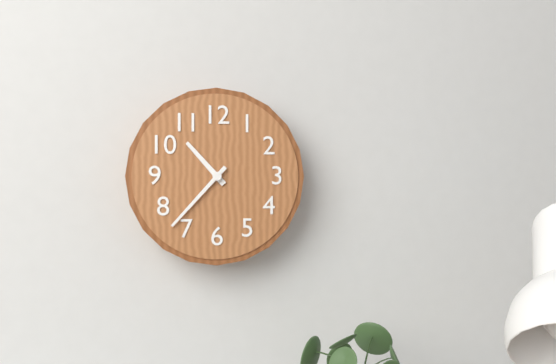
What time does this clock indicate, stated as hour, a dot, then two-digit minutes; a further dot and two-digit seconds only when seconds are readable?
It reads 10.37
